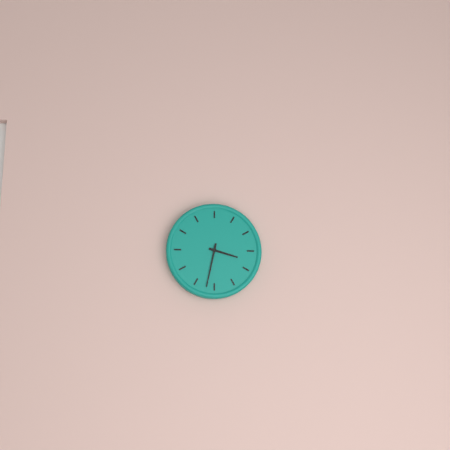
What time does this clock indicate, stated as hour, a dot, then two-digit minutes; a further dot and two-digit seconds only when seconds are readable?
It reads 3.32
